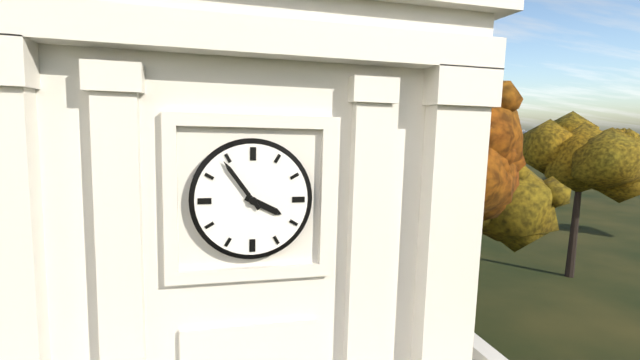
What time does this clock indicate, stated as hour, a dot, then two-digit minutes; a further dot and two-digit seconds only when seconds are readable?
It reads 3.54
